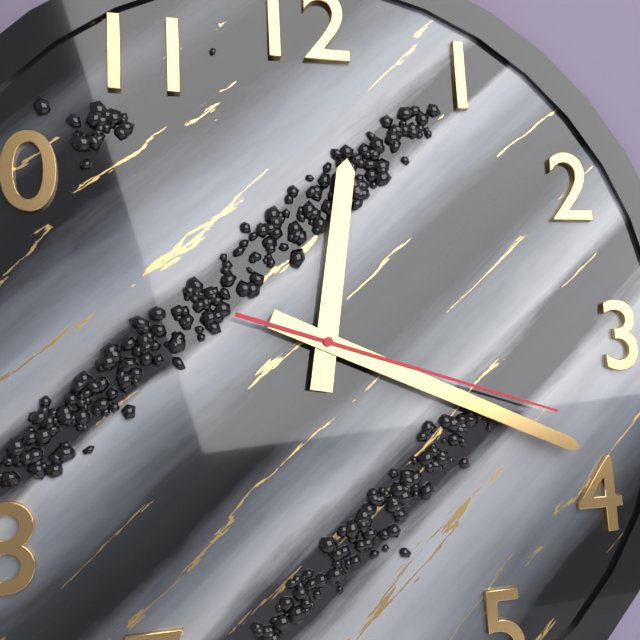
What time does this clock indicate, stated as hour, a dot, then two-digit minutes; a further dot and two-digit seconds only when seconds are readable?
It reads 12.19.18
